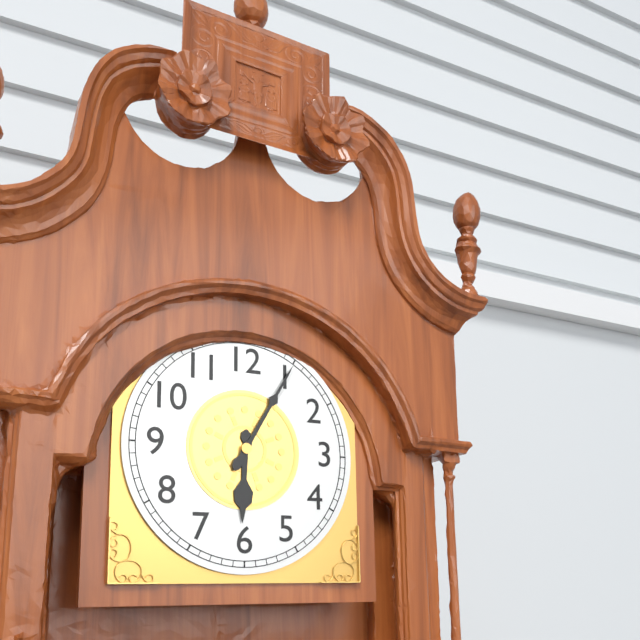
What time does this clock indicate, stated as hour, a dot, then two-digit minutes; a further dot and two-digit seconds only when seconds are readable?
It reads 6.05
